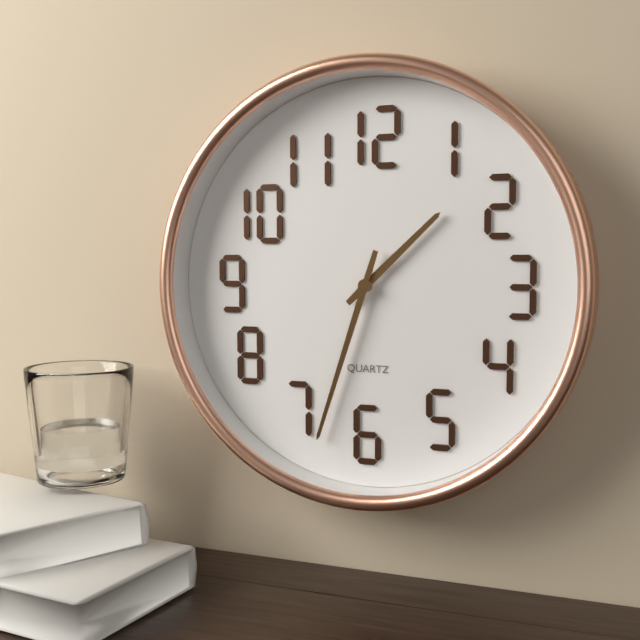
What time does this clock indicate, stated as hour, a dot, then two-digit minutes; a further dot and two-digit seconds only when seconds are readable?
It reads 1.33
